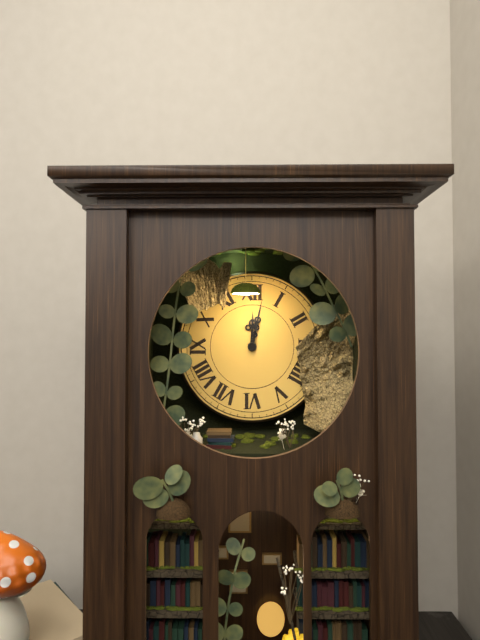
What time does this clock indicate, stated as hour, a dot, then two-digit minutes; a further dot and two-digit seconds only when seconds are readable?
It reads 12.02
